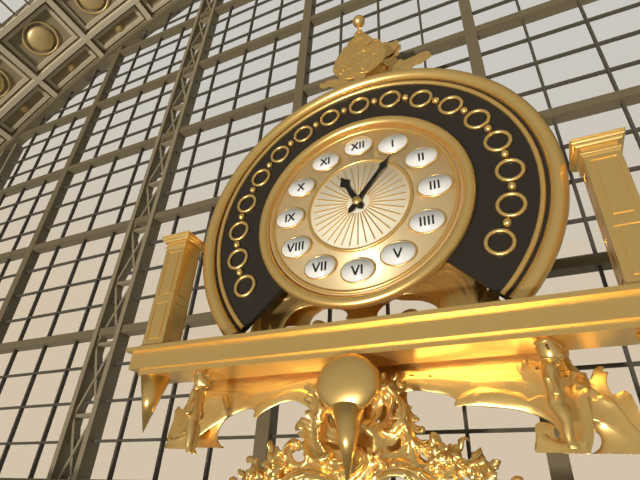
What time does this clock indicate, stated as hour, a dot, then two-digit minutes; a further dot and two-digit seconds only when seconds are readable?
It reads 11.06
